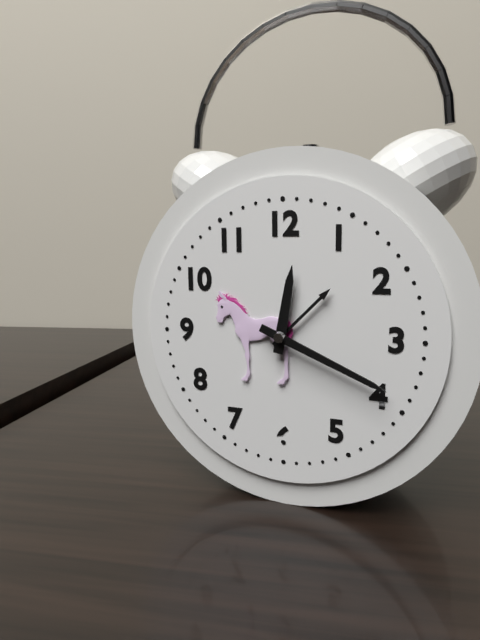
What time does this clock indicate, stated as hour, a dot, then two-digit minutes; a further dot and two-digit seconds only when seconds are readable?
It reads 12.19
